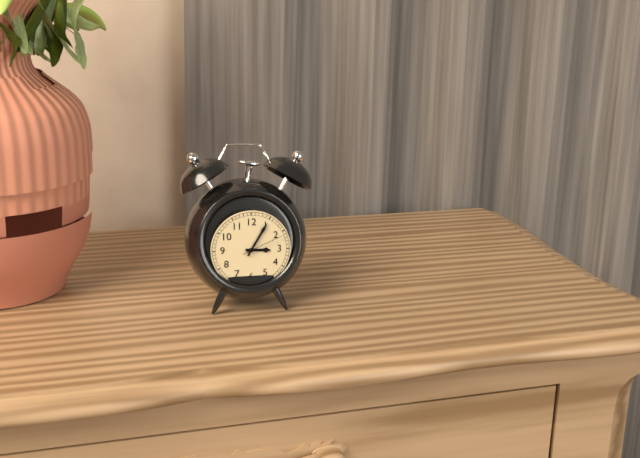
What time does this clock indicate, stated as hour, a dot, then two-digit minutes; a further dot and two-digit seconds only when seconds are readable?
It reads 3.05
